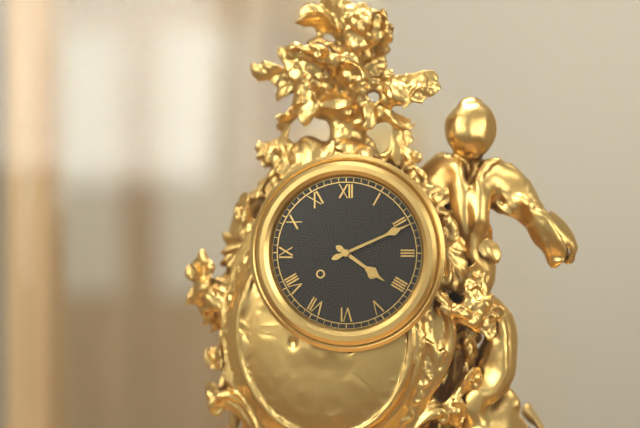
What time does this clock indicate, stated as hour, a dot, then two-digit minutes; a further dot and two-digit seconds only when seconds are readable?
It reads 4.11
